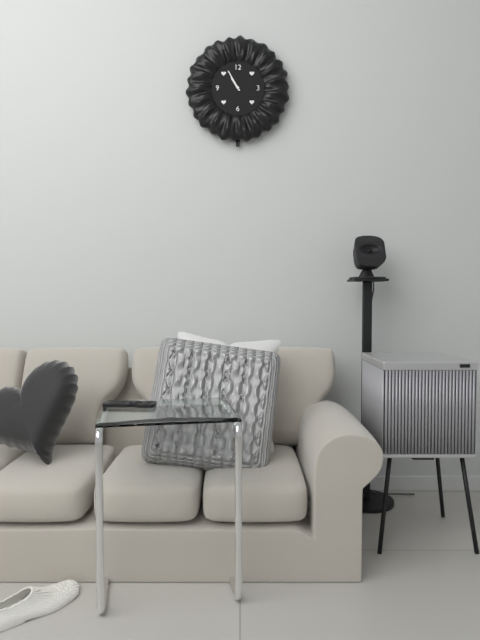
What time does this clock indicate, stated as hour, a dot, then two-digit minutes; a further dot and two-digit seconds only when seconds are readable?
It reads 10.55
